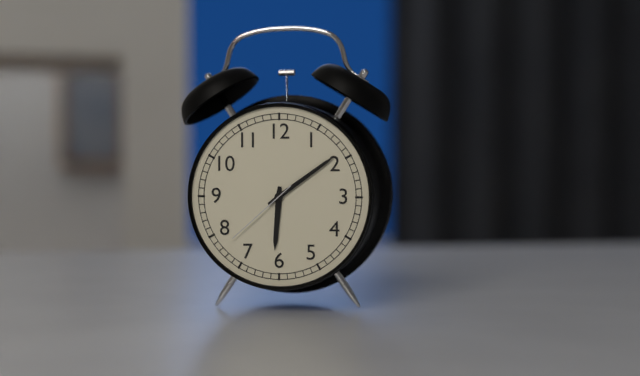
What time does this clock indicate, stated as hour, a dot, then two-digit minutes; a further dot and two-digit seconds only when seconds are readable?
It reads 6.09.38
